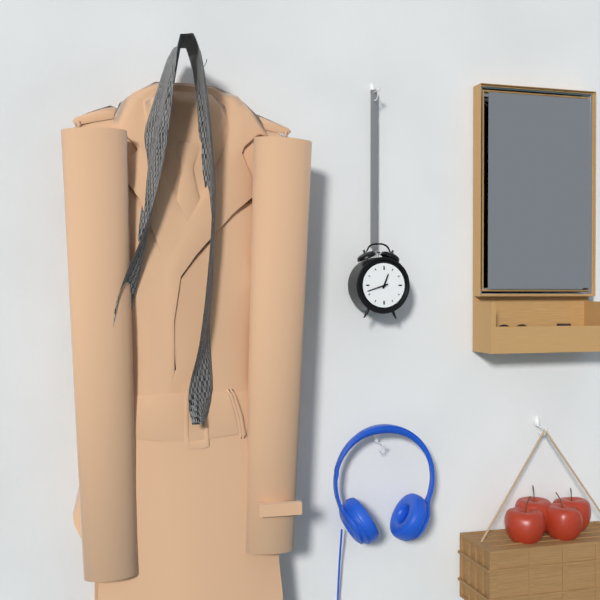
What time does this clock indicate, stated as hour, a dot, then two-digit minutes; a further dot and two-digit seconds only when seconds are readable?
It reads 12.42
